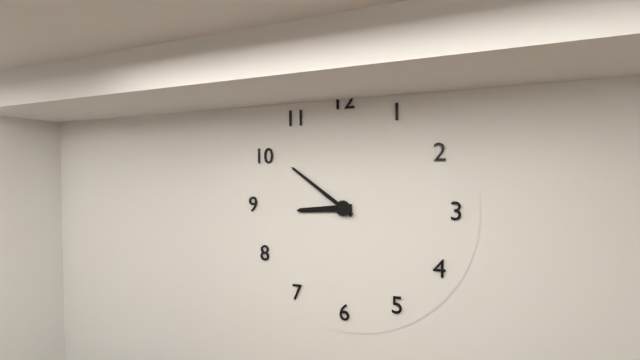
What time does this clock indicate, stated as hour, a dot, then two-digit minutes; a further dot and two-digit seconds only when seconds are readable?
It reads 8.51
